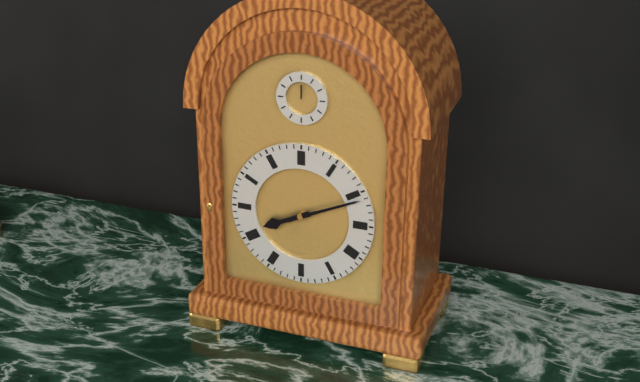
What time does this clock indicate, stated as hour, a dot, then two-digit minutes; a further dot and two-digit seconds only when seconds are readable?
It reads 8.11
